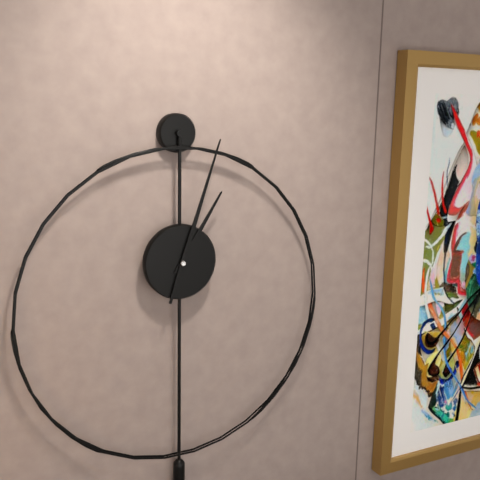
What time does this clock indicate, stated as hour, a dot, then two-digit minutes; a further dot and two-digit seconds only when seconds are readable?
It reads 1.03
